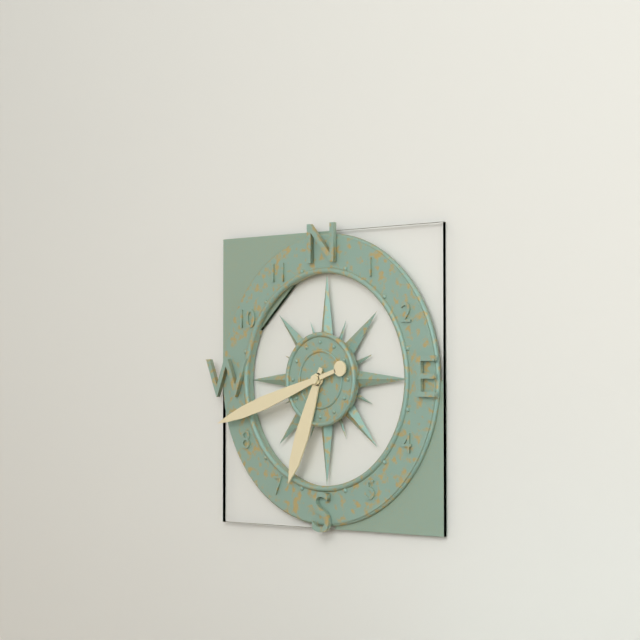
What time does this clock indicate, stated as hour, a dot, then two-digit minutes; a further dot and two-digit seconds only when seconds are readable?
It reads 6.42
